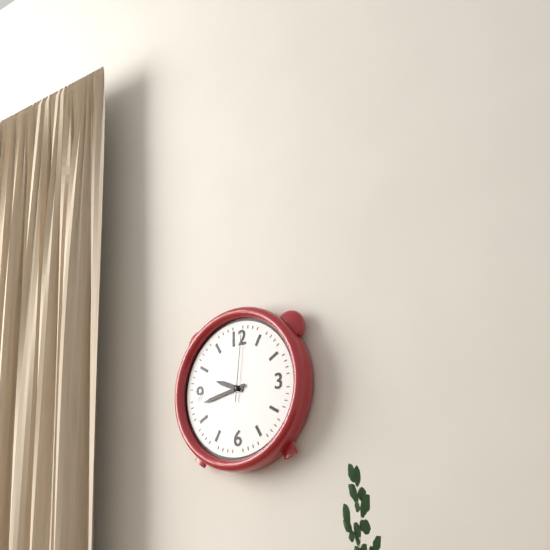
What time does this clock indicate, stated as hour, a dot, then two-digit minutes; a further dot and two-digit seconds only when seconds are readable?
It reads 9.43.01
